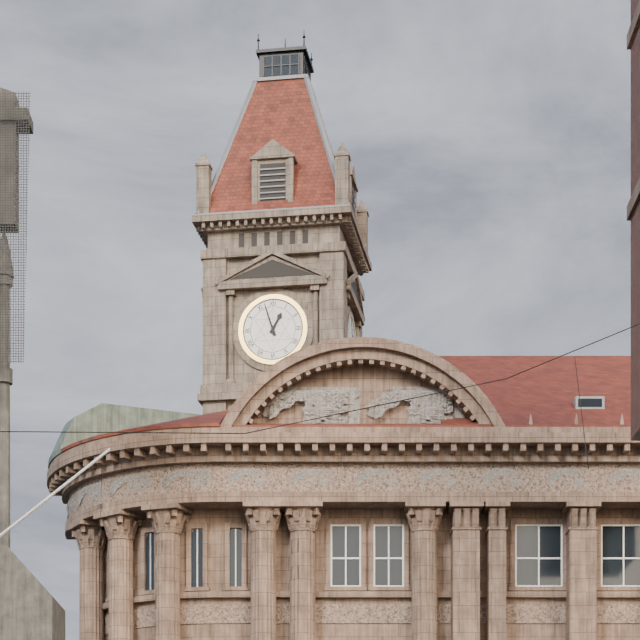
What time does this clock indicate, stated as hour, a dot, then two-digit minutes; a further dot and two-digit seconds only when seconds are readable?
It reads 12.57
